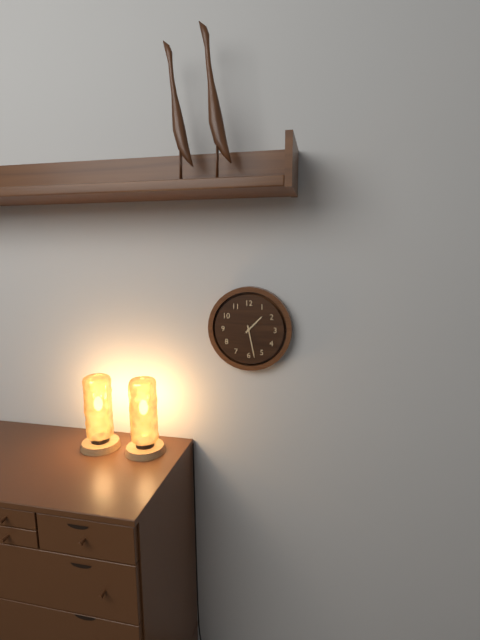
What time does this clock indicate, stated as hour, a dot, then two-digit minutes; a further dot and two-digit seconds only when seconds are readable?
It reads 1.28
